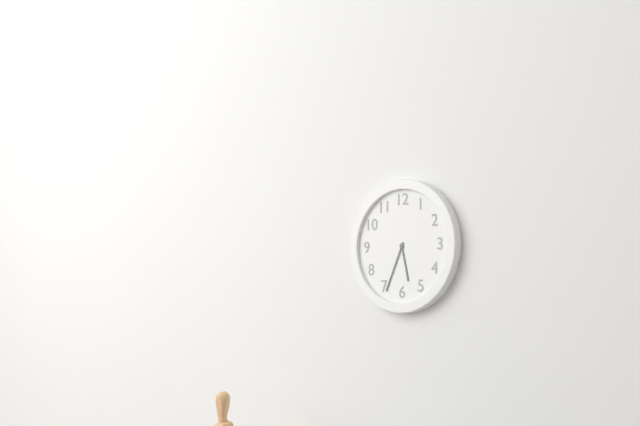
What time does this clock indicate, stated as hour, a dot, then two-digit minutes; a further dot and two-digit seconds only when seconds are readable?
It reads 5.34
